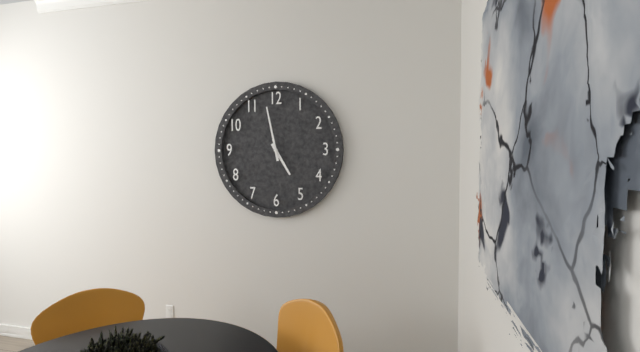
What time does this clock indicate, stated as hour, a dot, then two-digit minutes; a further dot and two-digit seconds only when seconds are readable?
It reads 4.58
